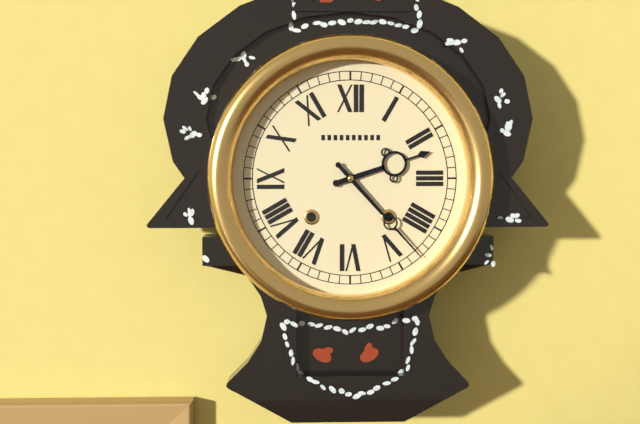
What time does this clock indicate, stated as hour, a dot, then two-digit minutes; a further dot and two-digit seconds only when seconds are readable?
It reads 2.23
